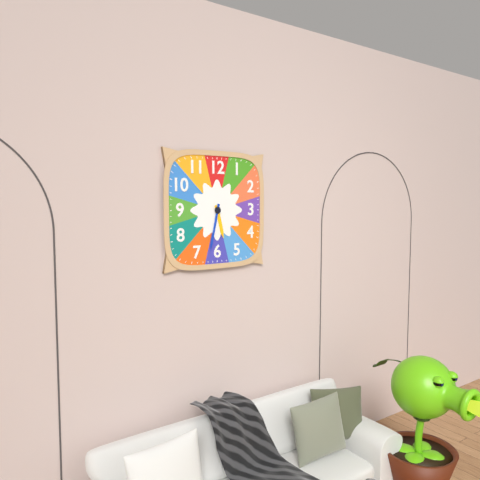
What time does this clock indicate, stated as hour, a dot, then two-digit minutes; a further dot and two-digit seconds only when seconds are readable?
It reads 5.32
